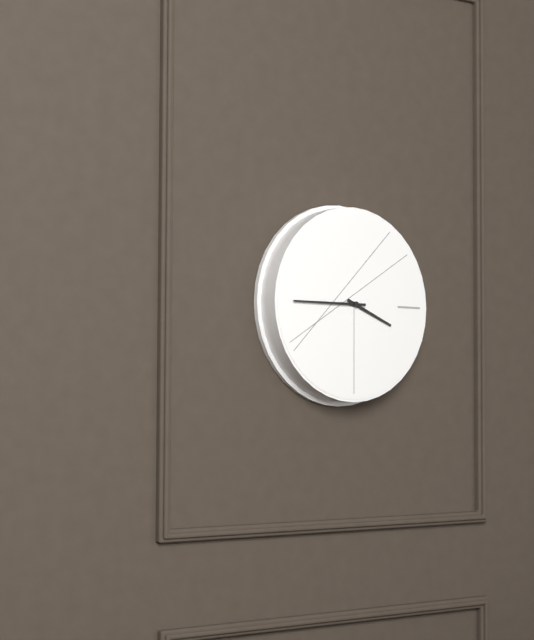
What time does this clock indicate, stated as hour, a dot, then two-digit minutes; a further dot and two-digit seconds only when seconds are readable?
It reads 3.45
